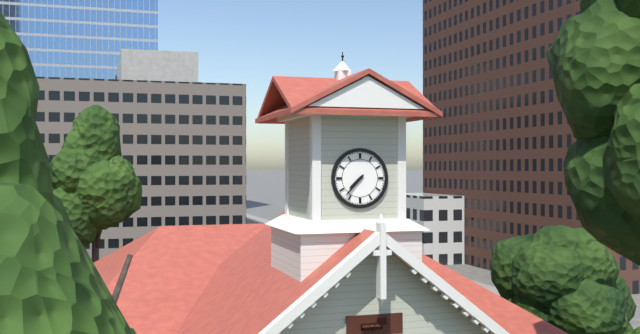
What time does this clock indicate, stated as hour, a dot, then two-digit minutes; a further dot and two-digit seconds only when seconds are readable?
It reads 7.37
